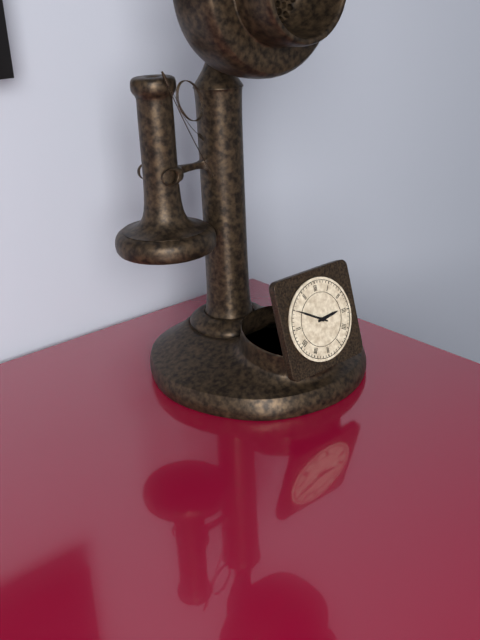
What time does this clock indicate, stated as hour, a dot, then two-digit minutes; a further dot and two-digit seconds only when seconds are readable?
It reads 2.50
